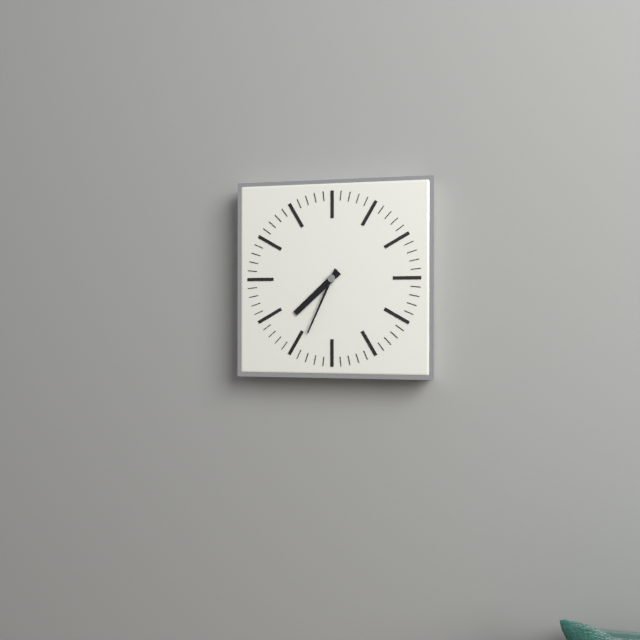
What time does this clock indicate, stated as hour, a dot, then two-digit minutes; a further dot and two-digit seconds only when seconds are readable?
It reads 7.34
